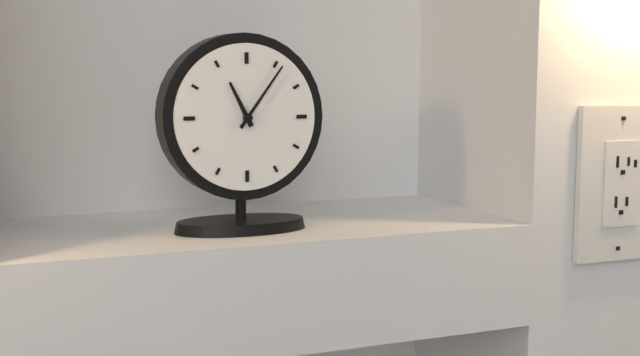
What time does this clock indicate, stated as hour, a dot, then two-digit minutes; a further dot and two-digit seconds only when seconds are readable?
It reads 11.06
